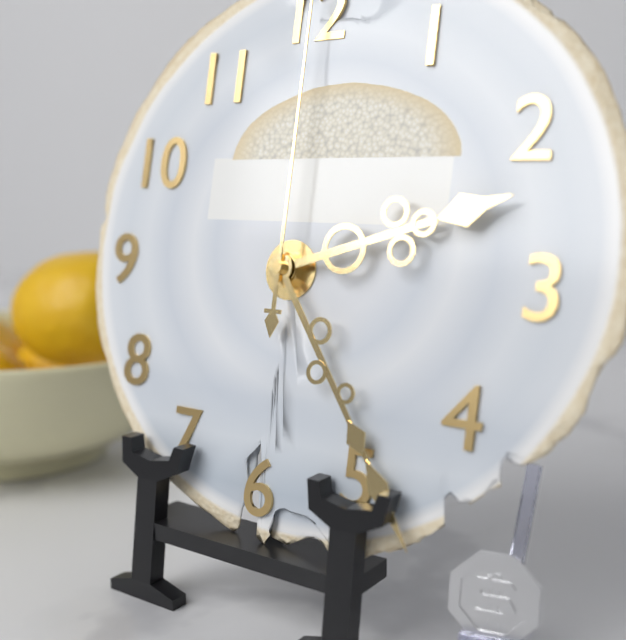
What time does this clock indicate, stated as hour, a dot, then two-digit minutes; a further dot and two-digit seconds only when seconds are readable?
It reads 2.24
